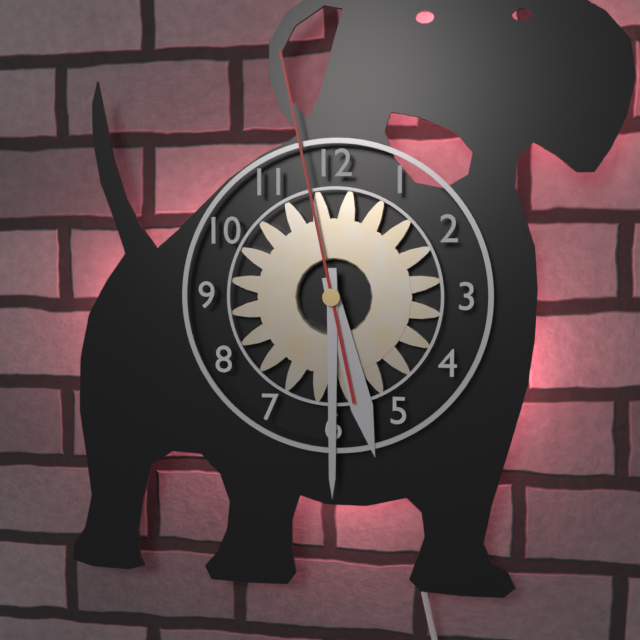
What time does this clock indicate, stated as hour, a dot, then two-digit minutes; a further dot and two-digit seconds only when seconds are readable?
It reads 5.30.58
